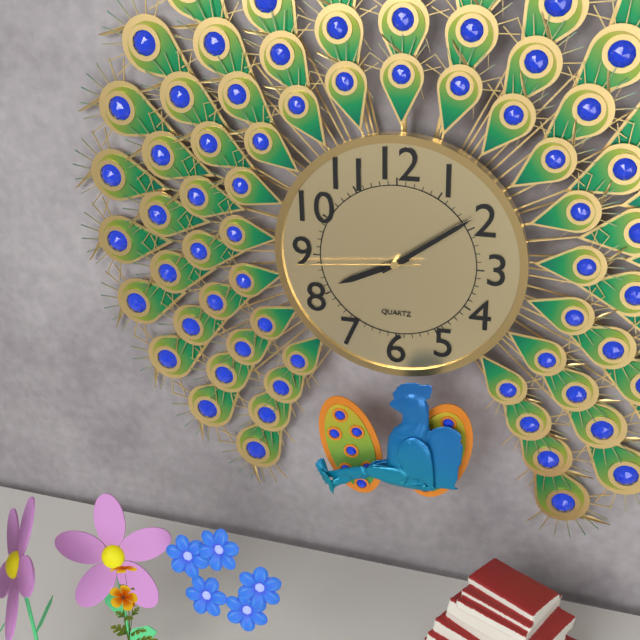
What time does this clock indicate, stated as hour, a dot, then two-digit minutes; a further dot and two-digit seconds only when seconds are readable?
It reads 8.09.44
